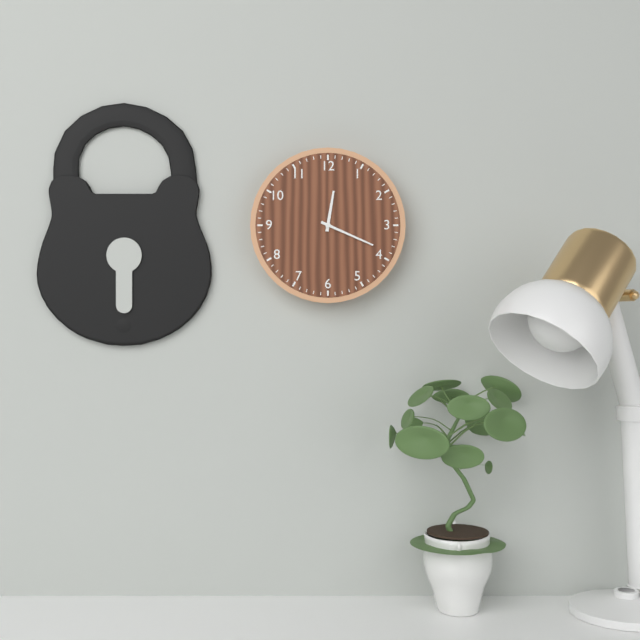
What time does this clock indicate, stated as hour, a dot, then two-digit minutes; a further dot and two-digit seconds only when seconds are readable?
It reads 12.19
